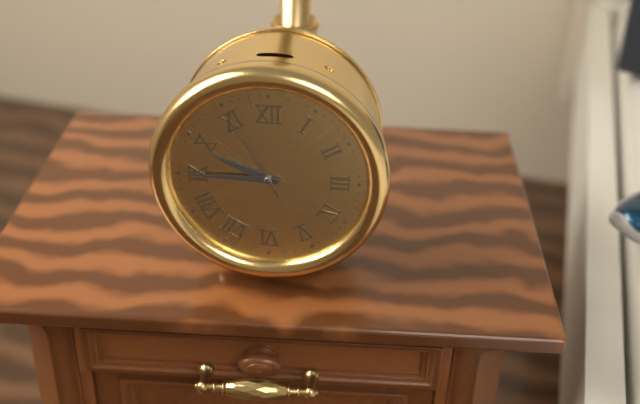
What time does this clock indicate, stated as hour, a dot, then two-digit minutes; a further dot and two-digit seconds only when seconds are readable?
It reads 9.45.55
